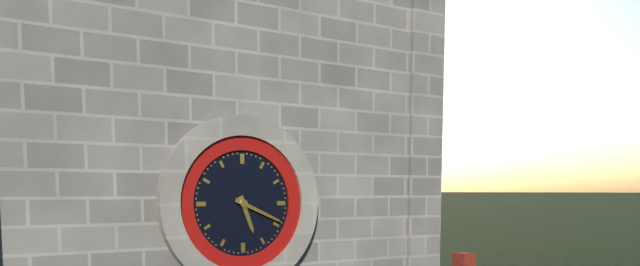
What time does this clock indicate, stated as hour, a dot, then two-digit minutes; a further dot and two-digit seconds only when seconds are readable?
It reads 5.19
